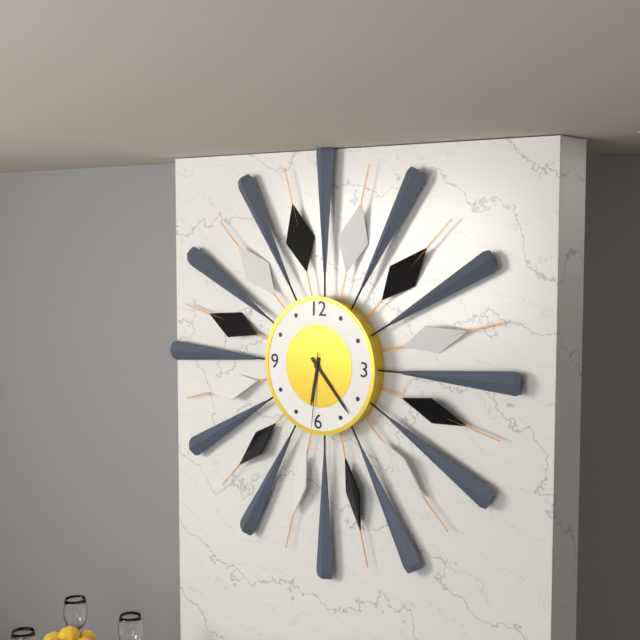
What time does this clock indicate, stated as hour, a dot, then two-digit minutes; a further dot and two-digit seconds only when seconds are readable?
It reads 6.23.31
